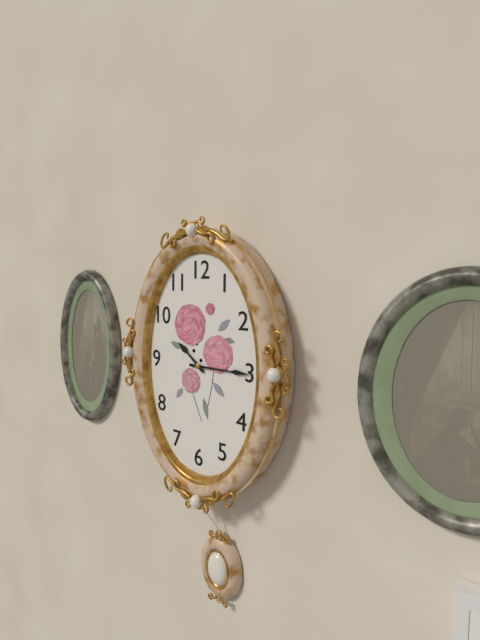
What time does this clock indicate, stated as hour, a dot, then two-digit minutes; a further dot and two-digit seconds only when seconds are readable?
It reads 10.15
